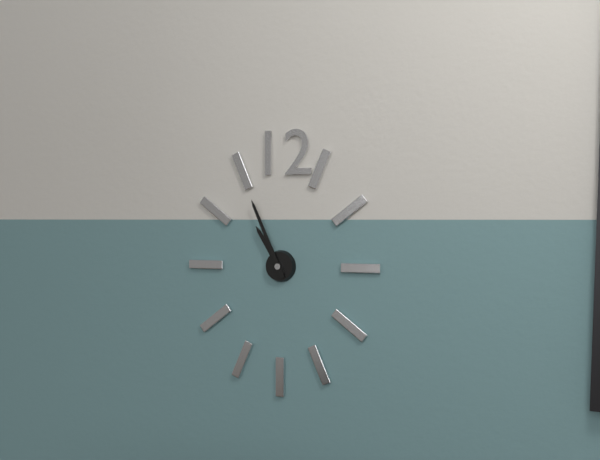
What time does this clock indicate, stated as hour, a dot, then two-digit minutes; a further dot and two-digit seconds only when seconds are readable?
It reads 10.56
